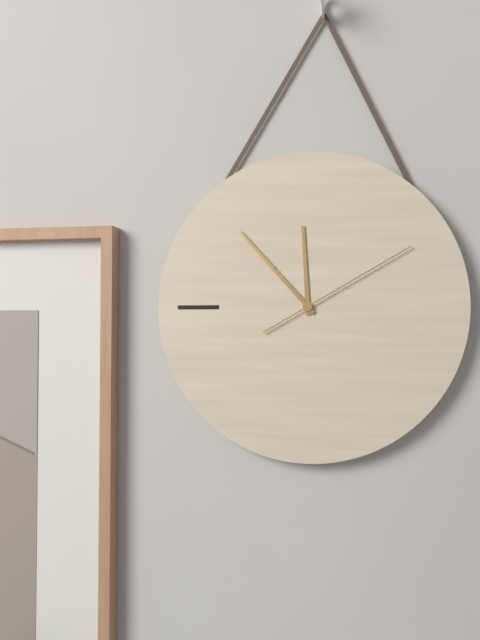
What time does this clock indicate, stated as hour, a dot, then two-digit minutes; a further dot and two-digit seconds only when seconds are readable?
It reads 11.53.10
